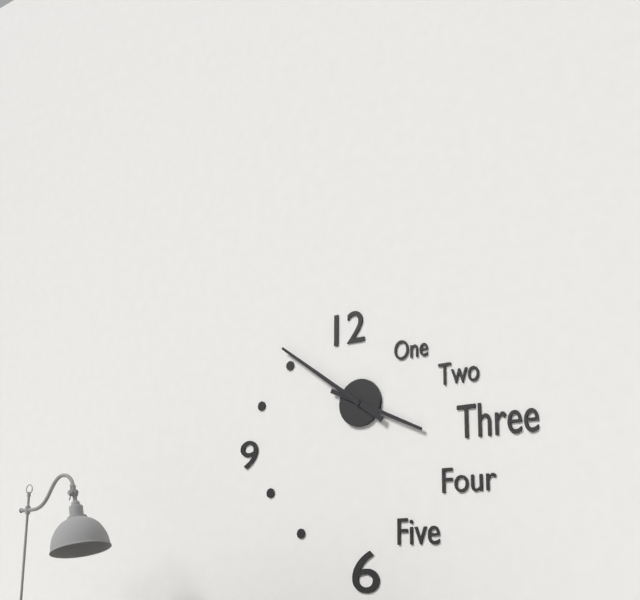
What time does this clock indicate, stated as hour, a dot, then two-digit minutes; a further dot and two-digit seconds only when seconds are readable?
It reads 3.51
